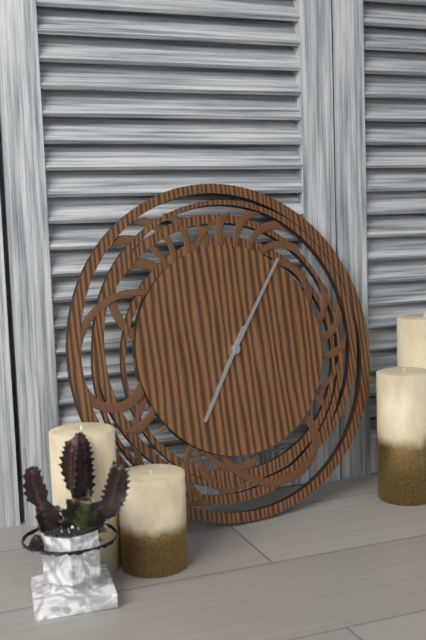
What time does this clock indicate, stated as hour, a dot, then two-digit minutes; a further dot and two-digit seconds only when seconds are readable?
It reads 7.06
